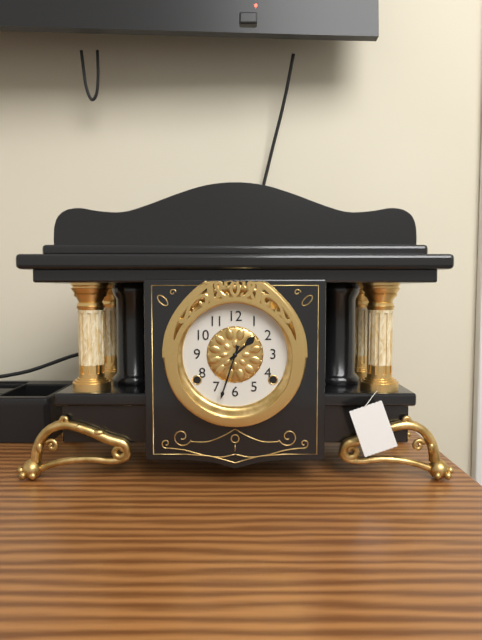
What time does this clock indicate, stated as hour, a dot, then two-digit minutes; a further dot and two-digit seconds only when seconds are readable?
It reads 1.33
